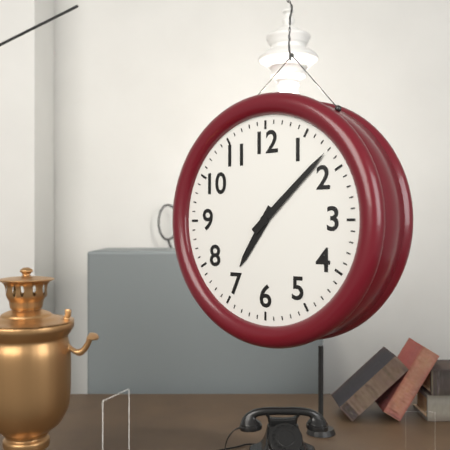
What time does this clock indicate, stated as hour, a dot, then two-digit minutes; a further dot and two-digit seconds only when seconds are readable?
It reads 7.08
